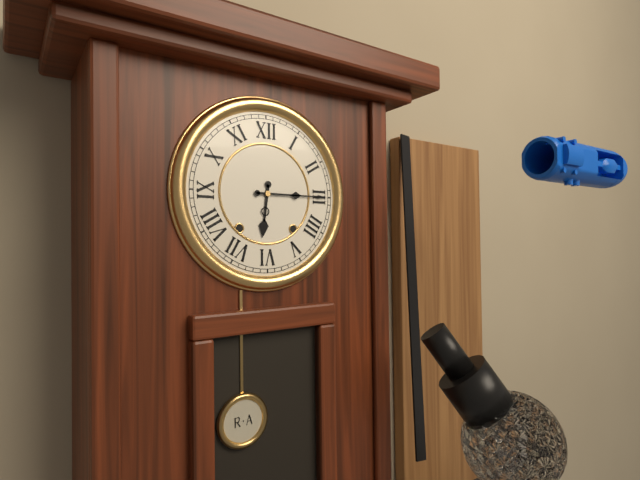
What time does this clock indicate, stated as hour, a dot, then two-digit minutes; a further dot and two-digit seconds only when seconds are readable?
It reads 6.15
